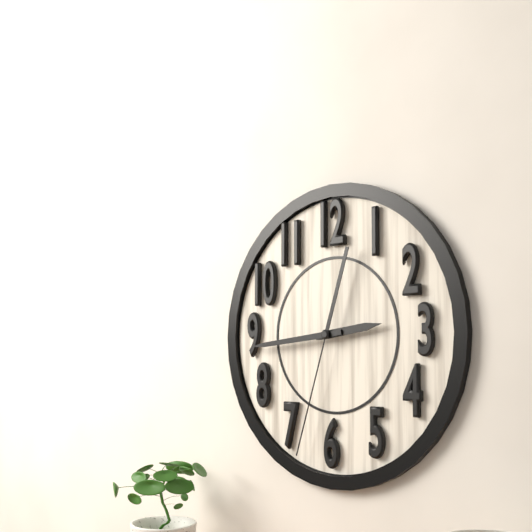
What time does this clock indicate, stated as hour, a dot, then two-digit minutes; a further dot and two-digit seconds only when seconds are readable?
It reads 2.44.33
